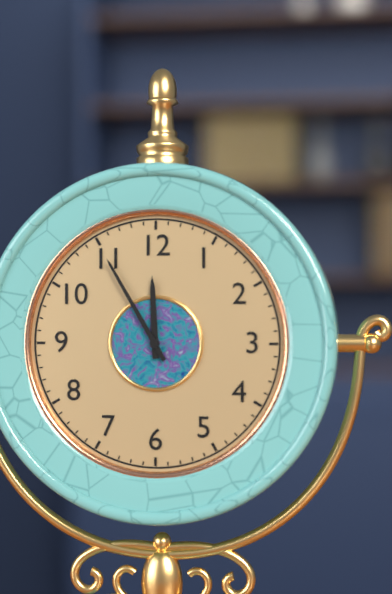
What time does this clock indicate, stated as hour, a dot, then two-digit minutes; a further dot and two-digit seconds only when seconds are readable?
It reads 11.55
